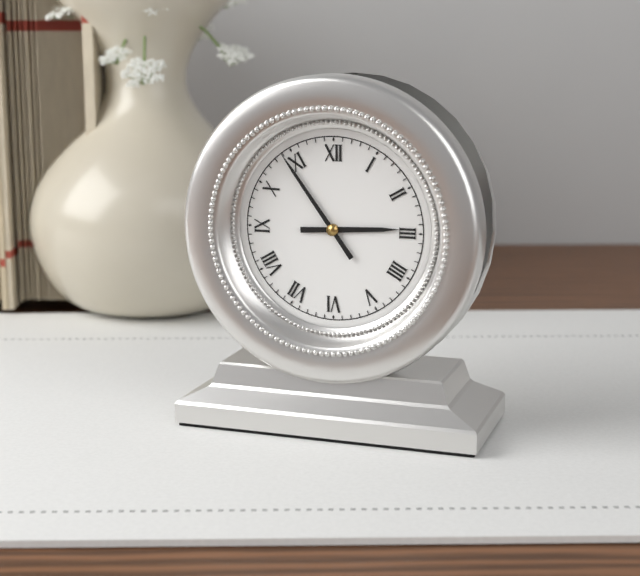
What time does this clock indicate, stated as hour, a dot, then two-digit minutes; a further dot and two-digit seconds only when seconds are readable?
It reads 2.54
